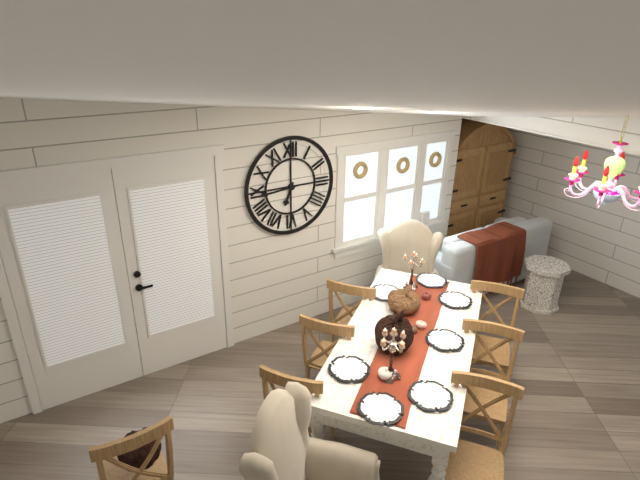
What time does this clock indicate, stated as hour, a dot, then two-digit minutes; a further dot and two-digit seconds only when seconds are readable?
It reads 6.44
